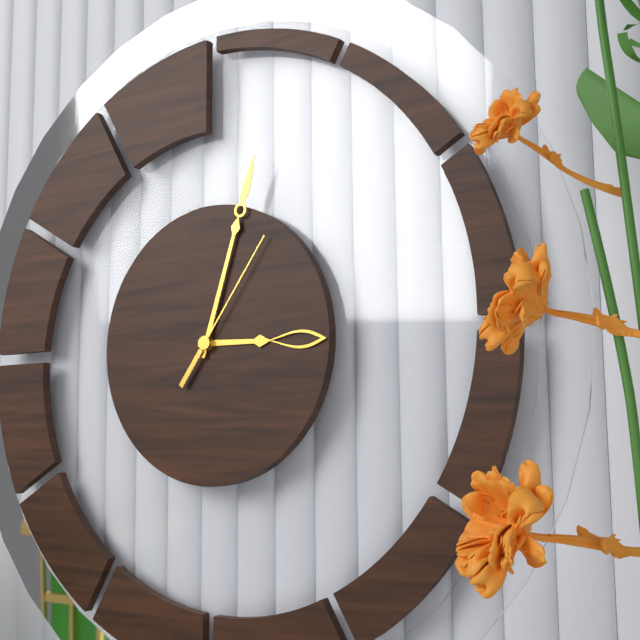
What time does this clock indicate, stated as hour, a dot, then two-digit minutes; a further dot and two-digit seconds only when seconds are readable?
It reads 3.03.06
